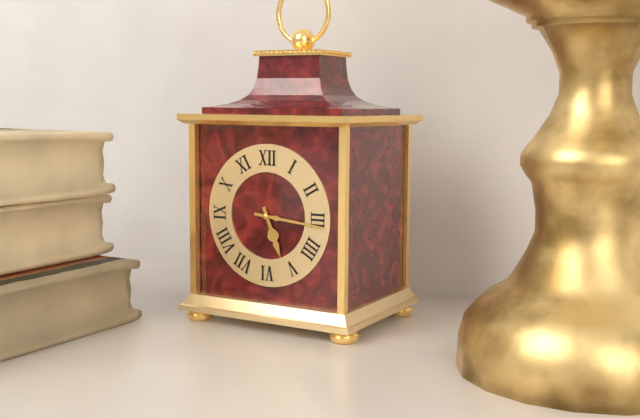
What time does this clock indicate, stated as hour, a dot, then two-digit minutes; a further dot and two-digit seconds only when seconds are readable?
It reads 5.16
